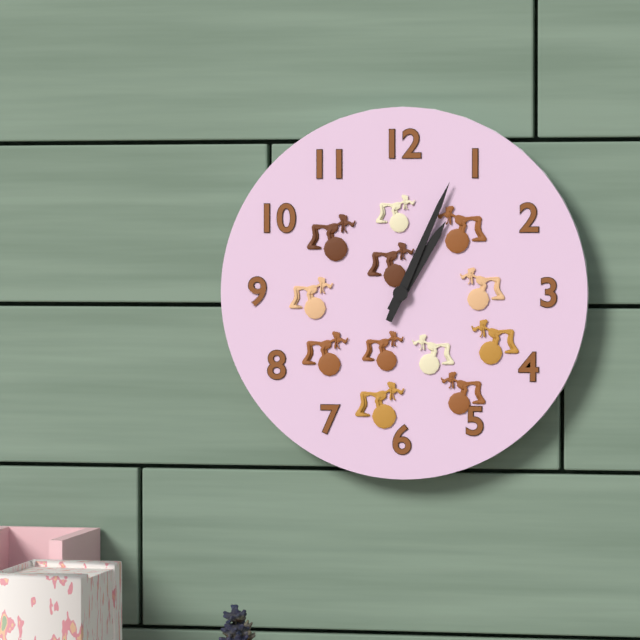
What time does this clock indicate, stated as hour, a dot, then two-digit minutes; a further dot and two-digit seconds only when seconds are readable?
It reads 1.04
